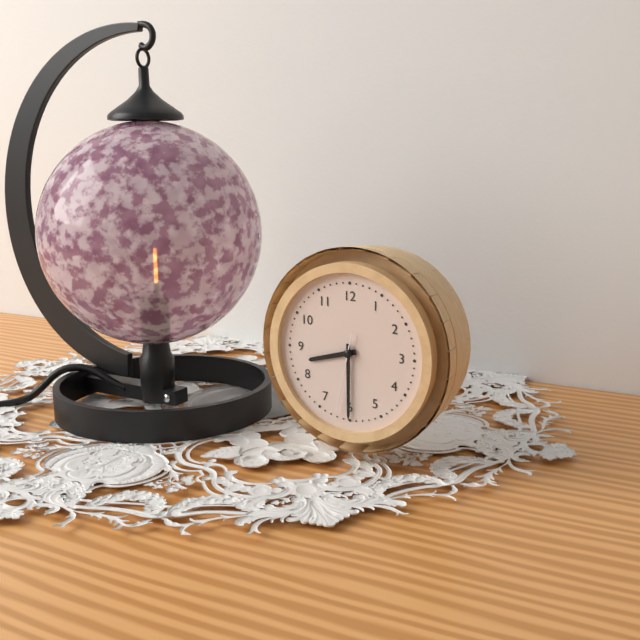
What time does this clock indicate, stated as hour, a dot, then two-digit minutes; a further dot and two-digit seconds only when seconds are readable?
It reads 8.30.32
